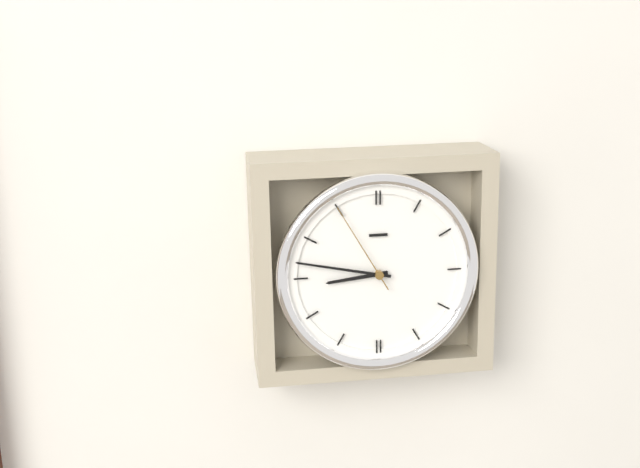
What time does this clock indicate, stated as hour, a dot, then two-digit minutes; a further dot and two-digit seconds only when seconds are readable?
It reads 8.47.55
